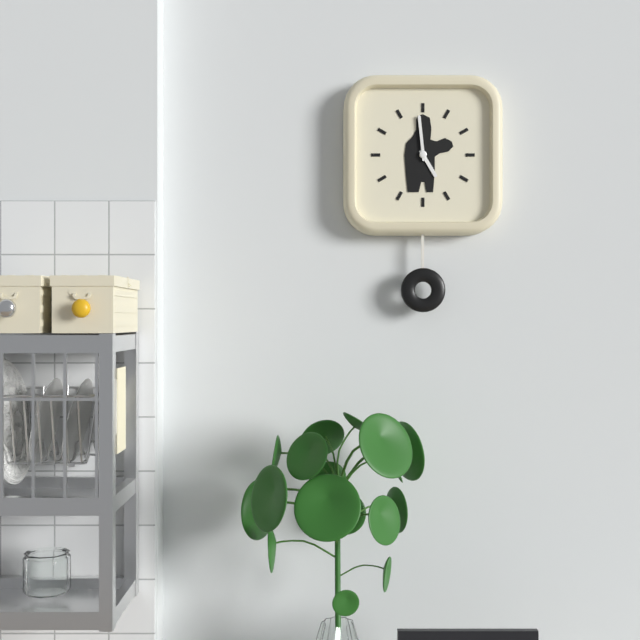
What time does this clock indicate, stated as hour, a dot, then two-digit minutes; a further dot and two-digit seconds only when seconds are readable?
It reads 4.59
